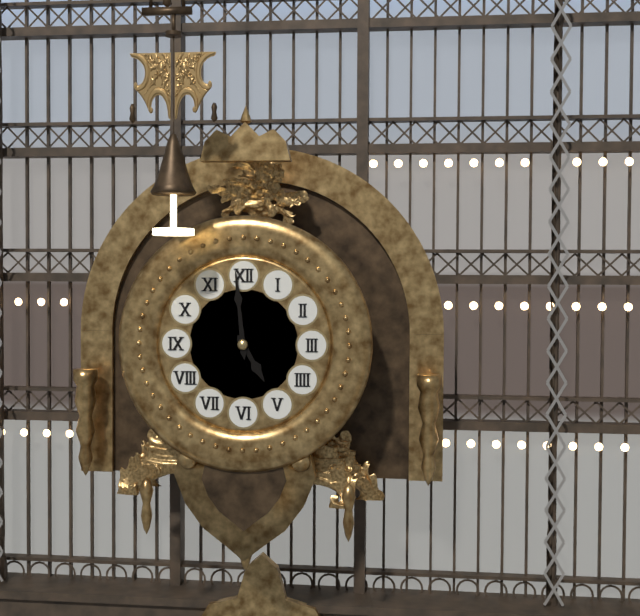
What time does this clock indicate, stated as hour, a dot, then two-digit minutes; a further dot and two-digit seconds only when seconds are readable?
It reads 4.59
